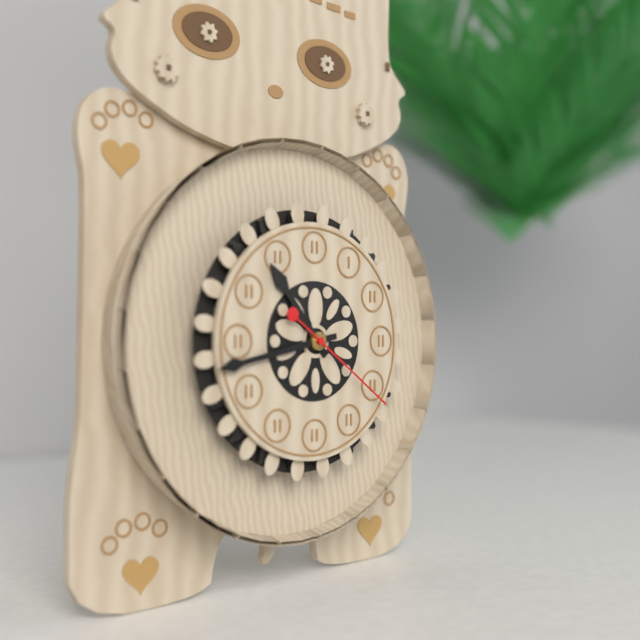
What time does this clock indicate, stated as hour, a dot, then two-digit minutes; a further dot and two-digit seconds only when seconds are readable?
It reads 10.43.21
